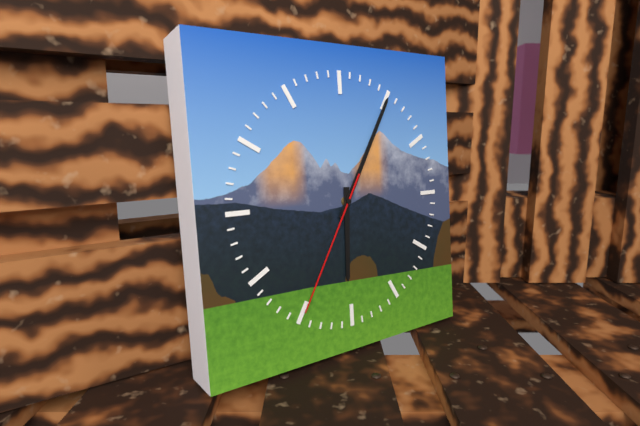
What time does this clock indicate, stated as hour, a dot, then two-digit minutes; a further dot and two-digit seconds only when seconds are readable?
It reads 6.05.35
